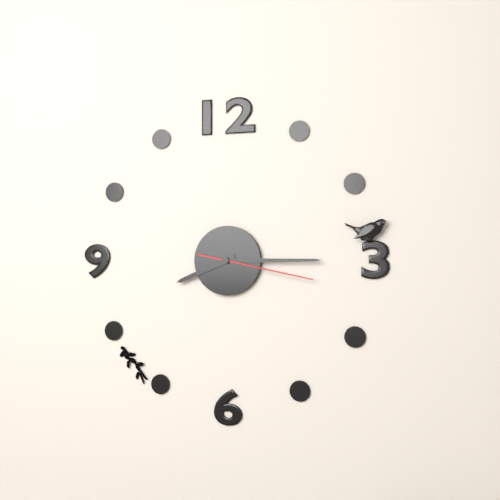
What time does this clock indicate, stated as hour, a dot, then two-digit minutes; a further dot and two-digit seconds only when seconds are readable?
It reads 8.15.17
